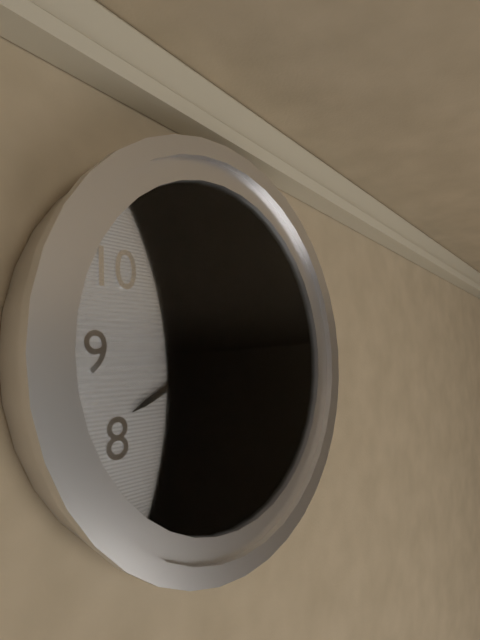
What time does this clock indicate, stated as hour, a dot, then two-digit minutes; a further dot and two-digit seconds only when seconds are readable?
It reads 6.41.08
